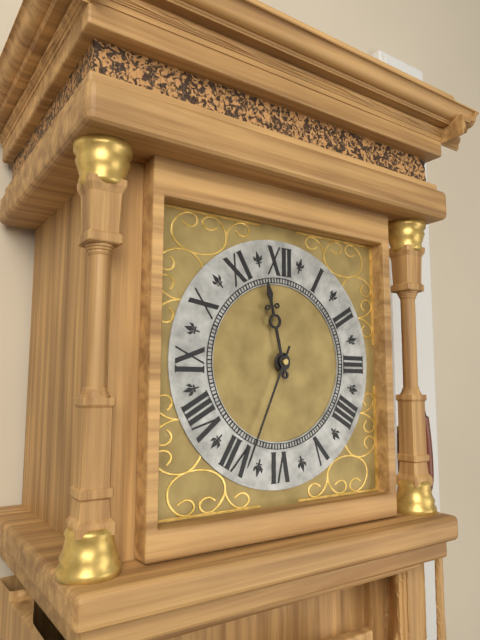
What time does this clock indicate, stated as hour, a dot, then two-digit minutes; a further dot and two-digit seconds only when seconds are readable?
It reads 11.34
